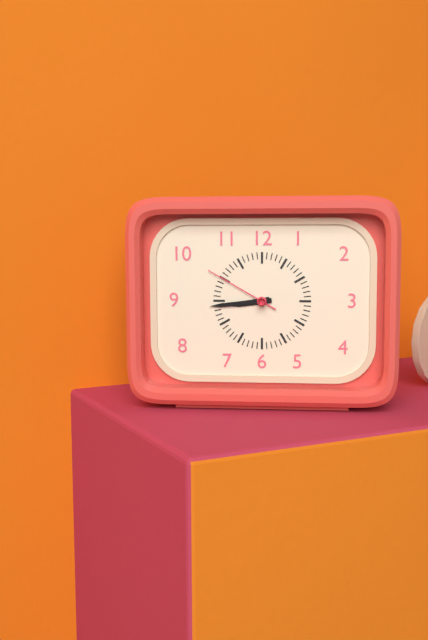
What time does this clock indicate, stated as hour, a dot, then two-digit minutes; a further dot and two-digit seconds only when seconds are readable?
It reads 8.44.50
